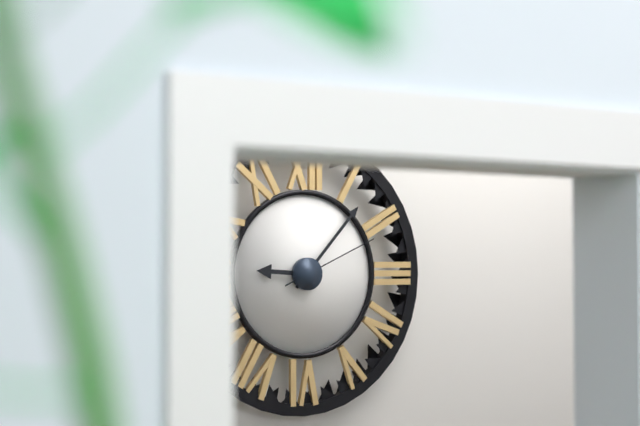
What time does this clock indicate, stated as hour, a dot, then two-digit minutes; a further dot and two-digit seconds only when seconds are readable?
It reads 9.07.11
